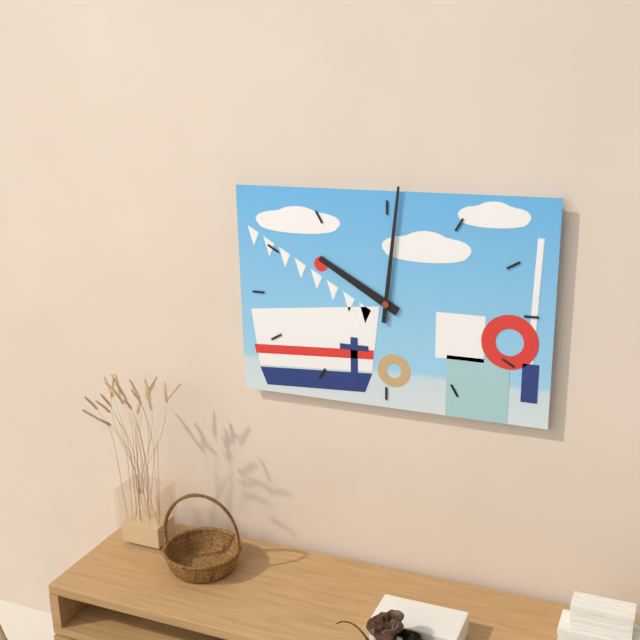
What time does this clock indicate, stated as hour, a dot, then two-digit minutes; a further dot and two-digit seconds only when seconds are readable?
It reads 10.01
